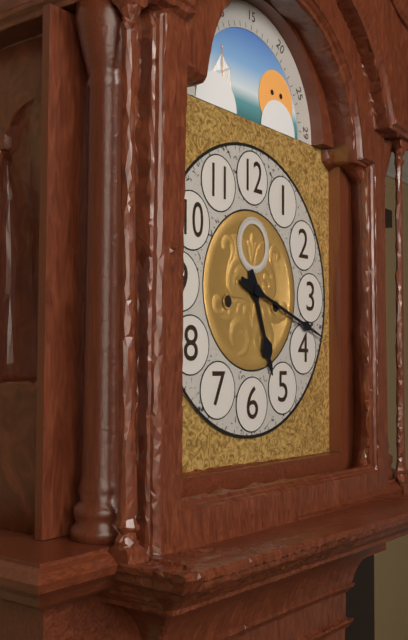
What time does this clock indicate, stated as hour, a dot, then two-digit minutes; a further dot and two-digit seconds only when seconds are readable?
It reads 5.18
